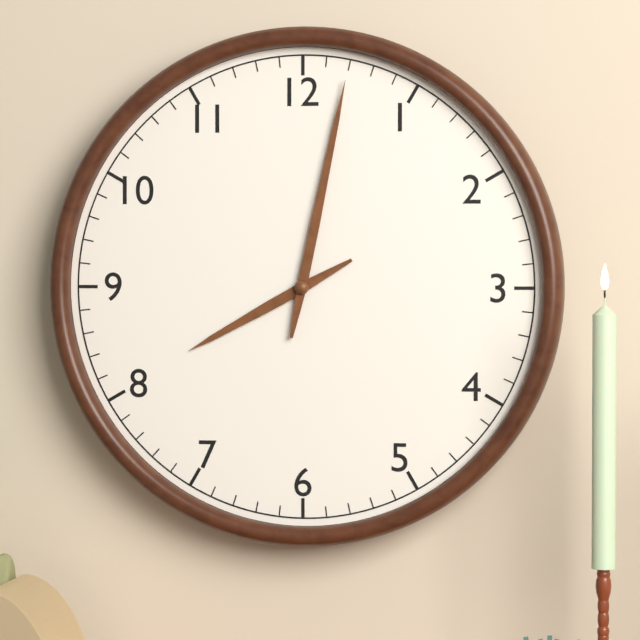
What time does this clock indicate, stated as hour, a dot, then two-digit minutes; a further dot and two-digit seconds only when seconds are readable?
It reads 8.02
